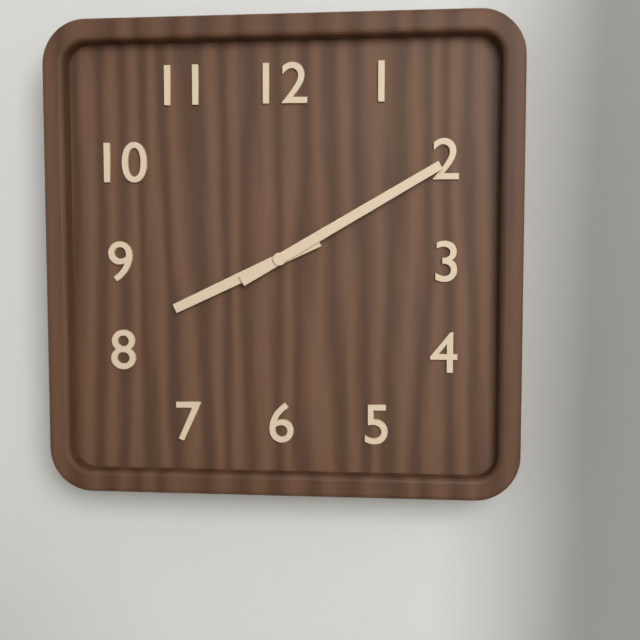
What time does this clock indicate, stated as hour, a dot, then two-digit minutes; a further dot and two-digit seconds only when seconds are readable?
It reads 8.10
